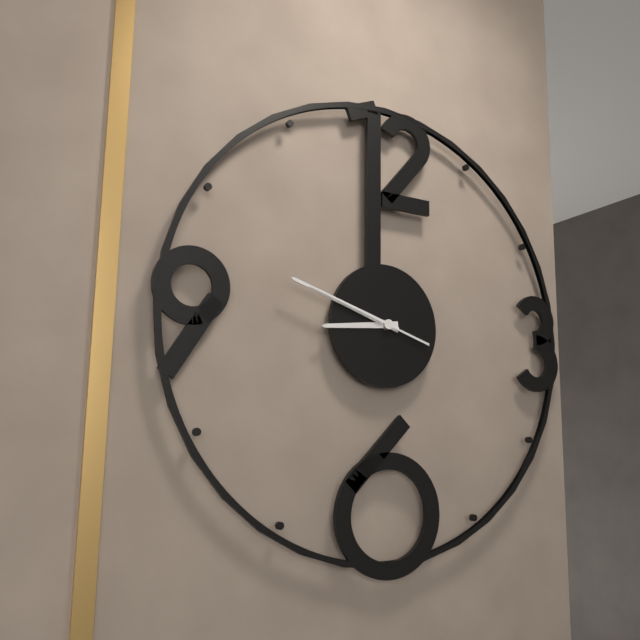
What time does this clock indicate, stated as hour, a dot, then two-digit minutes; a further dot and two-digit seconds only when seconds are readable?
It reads 8.48.48
